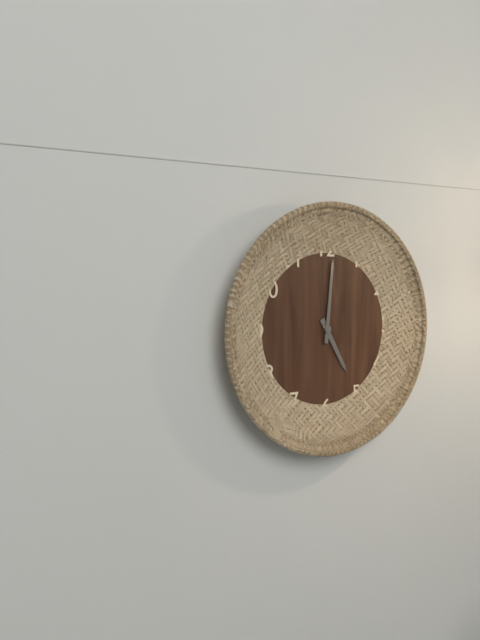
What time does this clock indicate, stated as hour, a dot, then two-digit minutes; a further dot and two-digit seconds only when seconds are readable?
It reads 5.01
